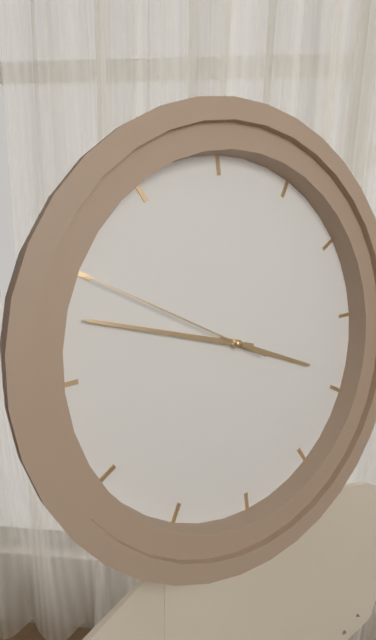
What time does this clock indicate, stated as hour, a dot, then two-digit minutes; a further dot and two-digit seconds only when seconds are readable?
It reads 3.48.50
